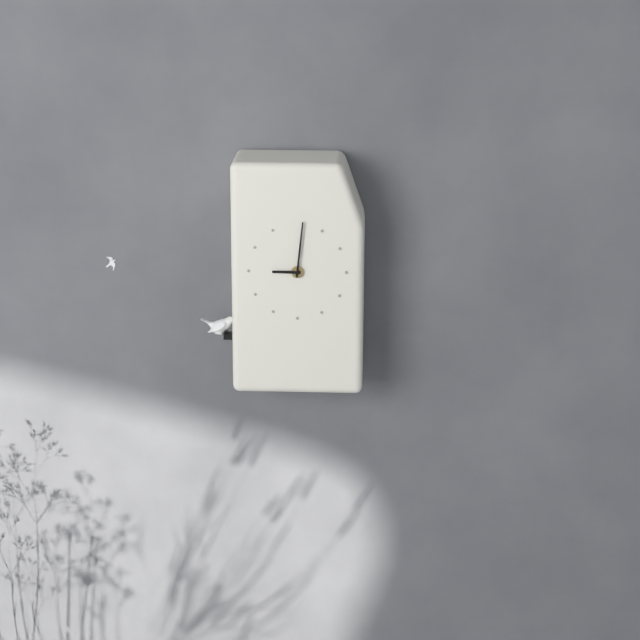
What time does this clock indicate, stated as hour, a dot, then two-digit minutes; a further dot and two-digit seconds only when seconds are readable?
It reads 9.01
